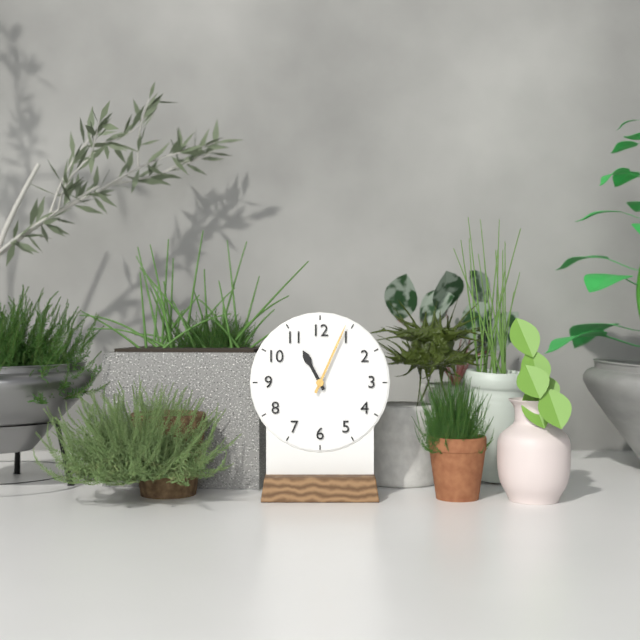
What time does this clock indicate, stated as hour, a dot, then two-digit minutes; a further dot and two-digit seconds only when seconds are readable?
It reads 11.04
